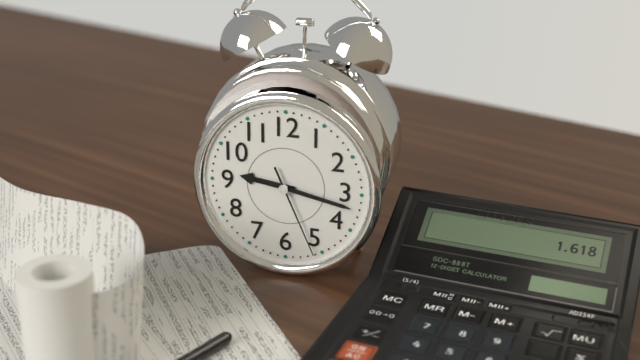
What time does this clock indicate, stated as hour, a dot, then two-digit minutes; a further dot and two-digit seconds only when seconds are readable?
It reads 9.17.26
